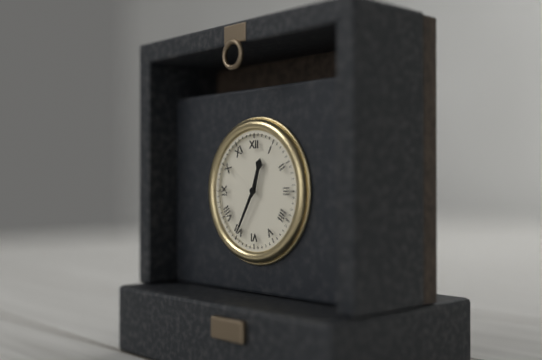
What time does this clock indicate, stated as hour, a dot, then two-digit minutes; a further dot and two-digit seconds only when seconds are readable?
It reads 12.35
